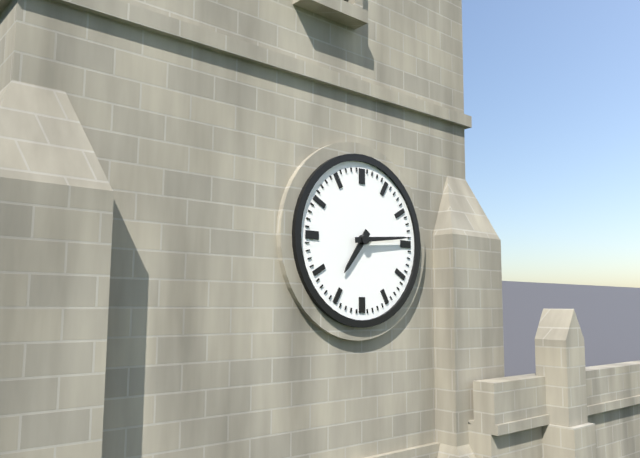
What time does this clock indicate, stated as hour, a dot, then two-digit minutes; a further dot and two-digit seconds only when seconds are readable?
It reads 7.14
